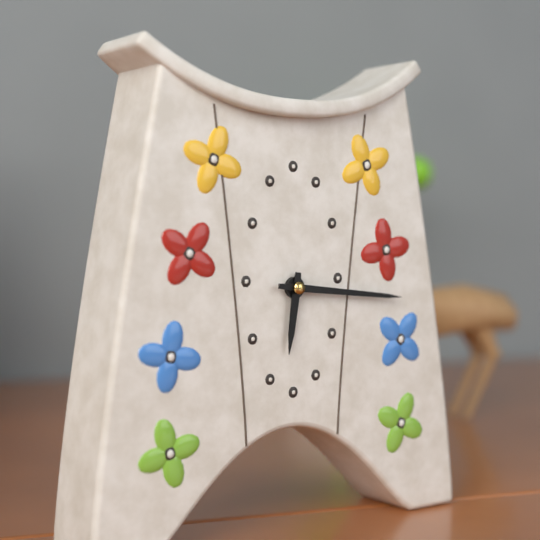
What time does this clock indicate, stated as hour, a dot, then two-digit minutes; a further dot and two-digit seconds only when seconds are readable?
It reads 6.16
